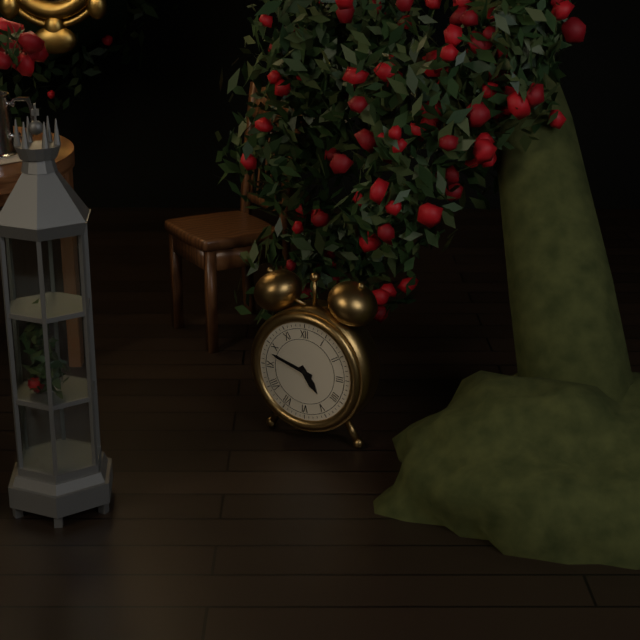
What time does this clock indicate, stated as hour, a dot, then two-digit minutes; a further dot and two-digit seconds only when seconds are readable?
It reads 4.48
